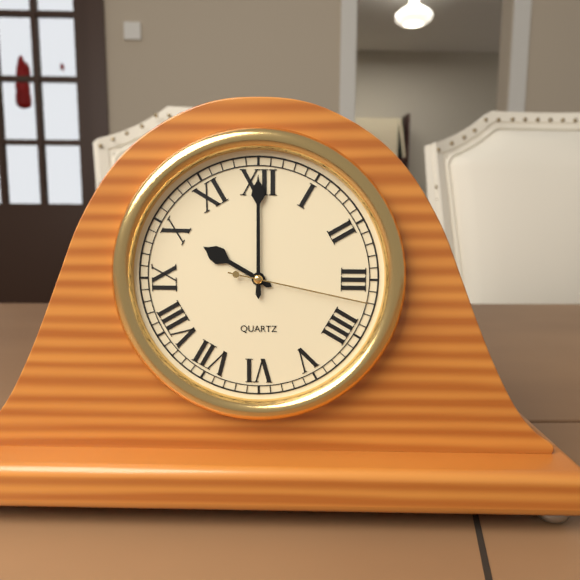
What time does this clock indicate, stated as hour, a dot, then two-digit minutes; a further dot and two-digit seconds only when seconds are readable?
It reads 10.00.17
